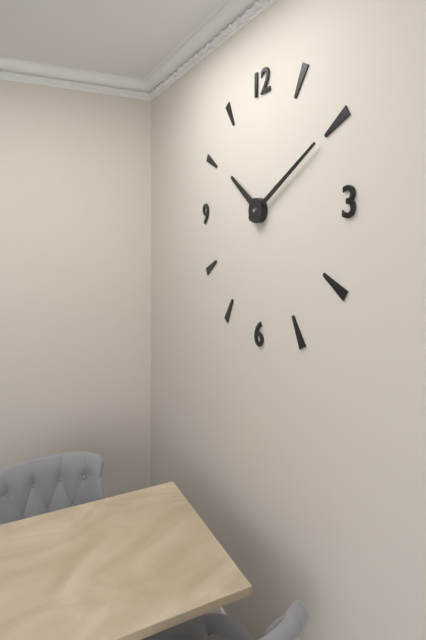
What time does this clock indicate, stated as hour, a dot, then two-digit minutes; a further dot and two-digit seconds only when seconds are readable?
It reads 10.10
